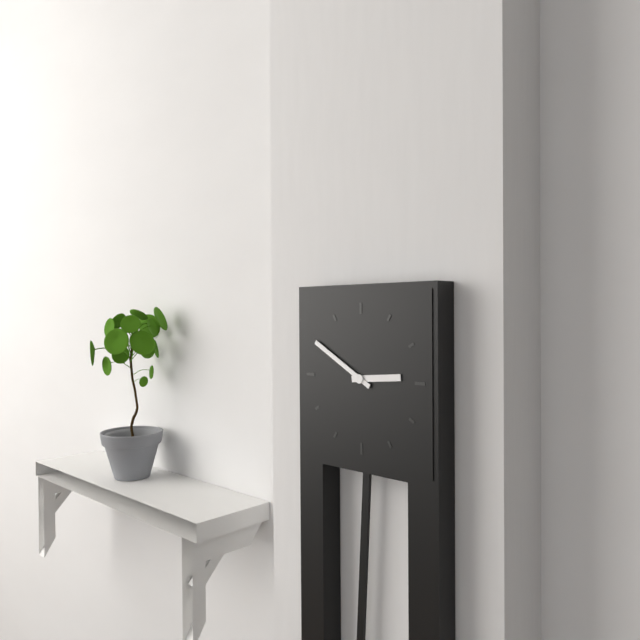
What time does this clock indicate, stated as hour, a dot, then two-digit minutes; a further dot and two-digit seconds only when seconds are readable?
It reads 2.50
